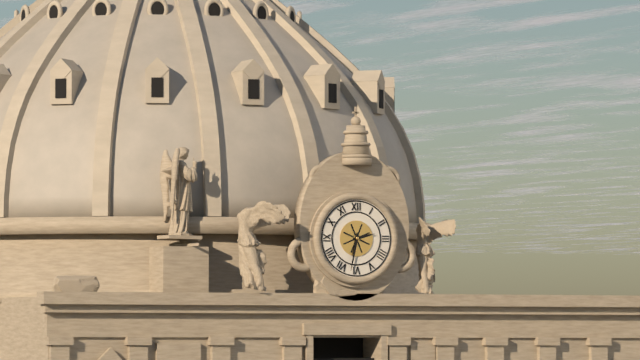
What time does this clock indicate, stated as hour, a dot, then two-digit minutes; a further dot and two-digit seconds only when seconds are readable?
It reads 2.32
